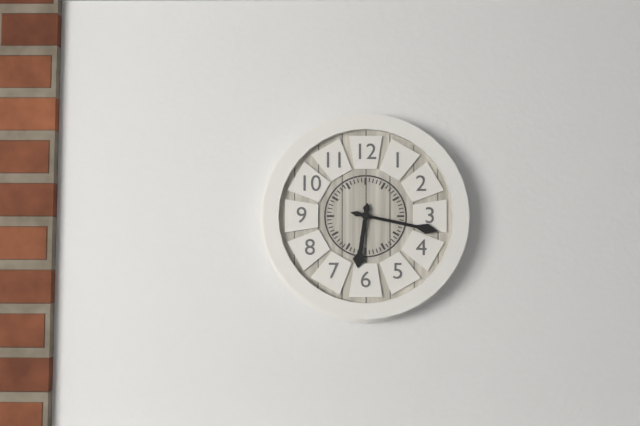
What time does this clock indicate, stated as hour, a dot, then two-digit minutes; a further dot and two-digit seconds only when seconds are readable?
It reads 6.17
